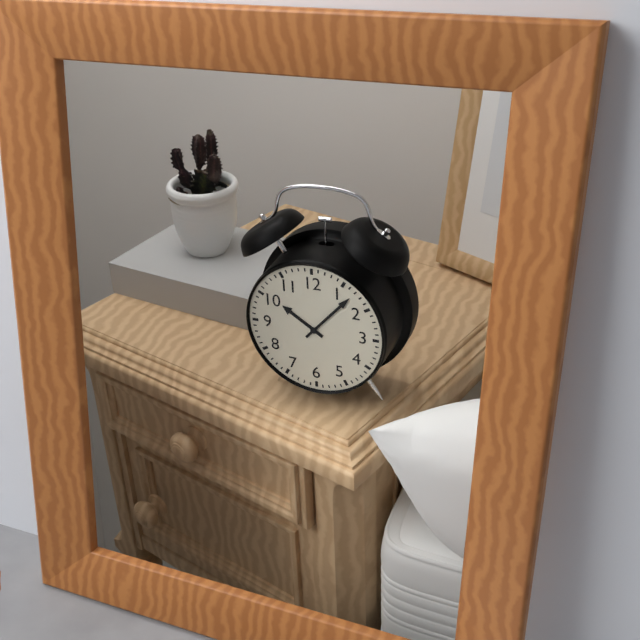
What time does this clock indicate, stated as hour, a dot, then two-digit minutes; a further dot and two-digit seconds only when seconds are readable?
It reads 10.07
